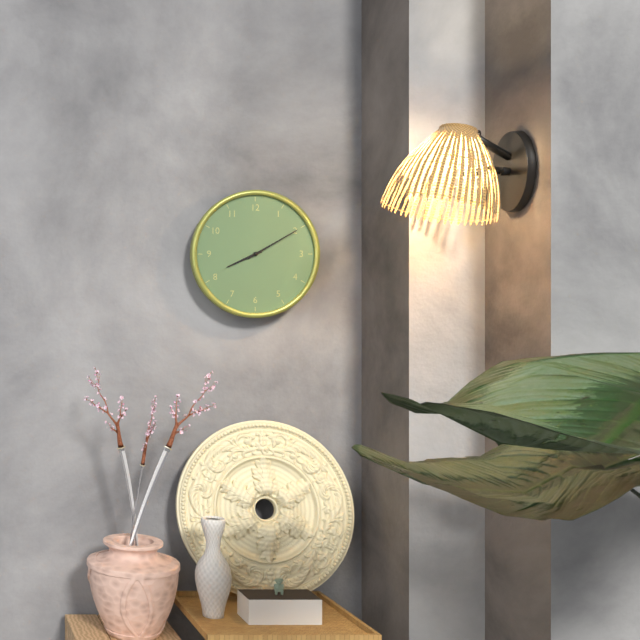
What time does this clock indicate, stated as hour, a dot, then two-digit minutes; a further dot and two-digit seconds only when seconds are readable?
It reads 8.10
